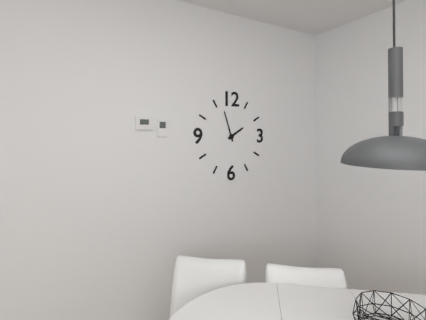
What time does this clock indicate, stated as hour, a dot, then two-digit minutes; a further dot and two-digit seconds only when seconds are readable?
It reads 1.57
